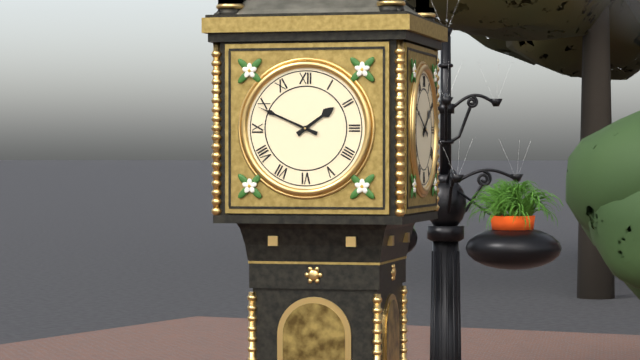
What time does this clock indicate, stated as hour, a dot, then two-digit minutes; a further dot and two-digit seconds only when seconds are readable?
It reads 1.49
